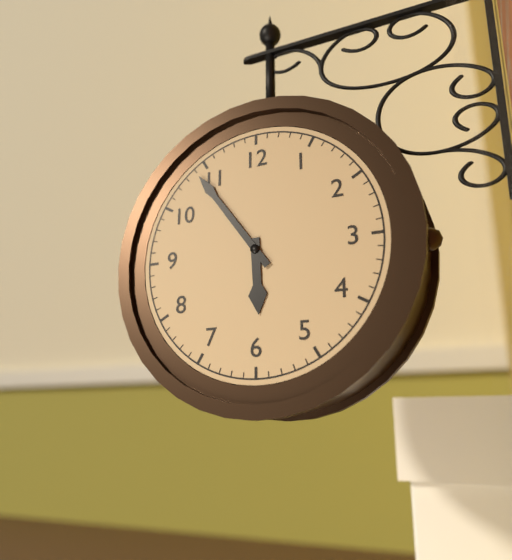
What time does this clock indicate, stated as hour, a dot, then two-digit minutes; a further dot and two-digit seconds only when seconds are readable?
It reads 5.54
